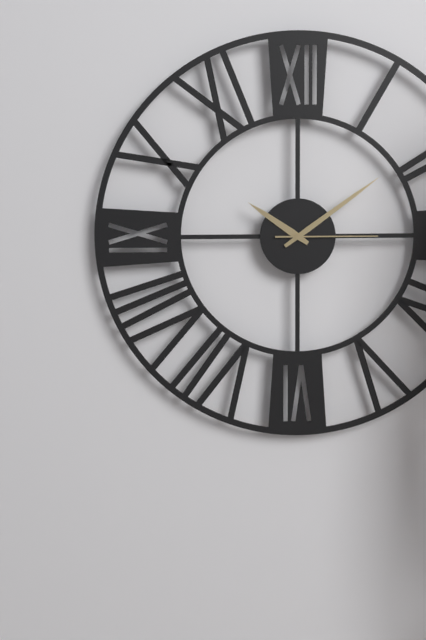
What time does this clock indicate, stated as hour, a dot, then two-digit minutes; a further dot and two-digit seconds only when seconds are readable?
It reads 10.09.15
